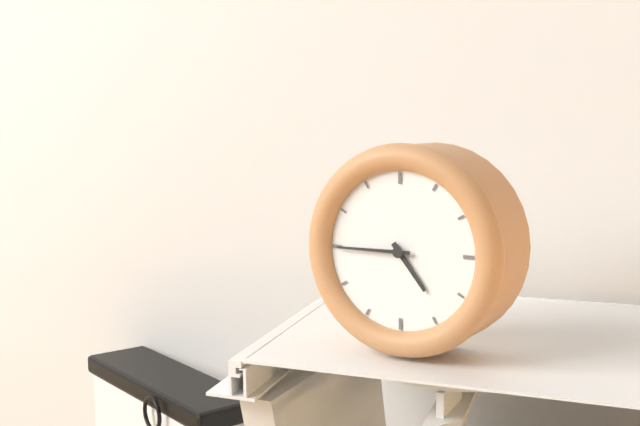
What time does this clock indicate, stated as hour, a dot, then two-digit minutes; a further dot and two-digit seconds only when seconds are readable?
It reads 4.45
